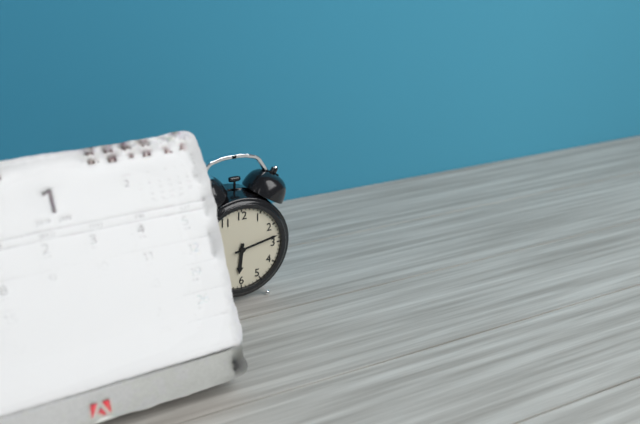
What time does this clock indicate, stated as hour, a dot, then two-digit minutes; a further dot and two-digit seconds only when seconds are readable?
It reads 6.13
